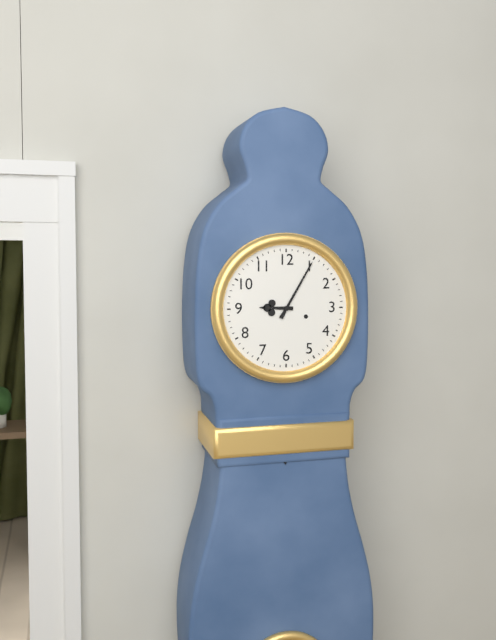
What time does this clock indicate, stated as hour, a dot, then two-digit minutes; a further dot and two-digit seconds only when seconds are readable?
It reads 9.05
